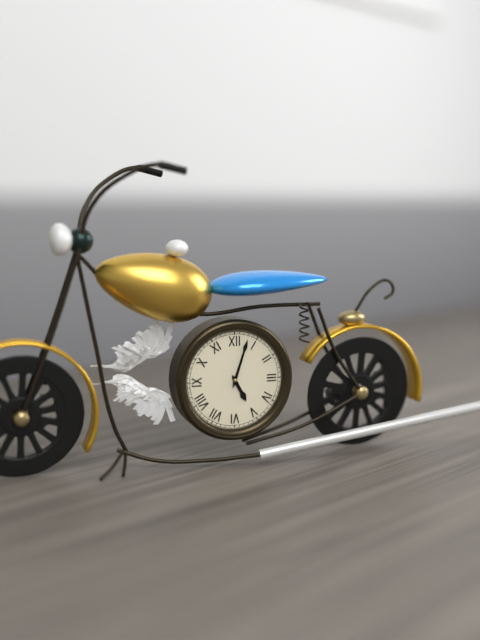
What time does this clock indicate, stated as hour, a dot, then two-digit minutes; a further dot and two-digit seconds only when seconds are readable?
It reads 5.03
